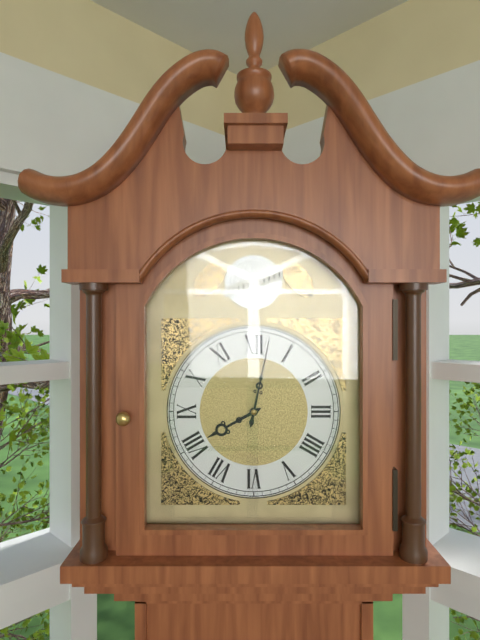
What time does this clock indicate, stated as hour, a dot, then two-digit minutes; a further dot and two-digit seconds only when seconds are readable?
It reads 8.02
